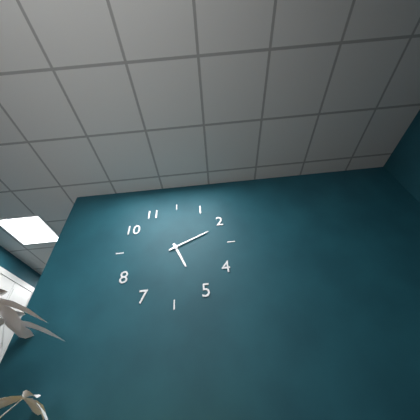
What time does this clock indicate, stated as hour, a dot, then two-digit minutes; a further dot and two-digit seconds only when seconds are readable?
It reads 5.11
